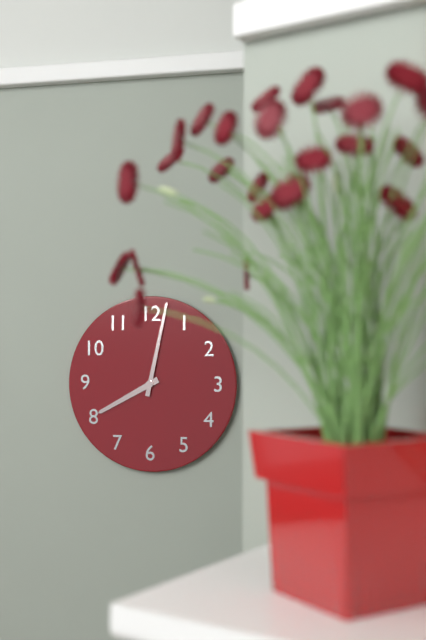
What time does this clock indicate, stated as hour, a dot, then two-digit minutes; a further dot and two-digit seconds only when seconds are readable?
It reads 8.02
